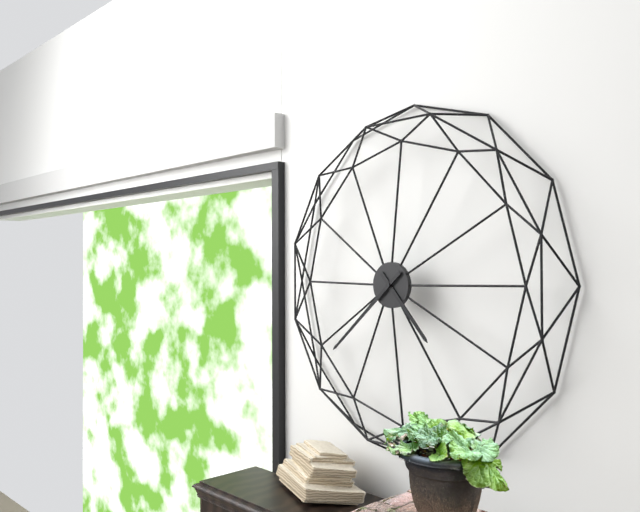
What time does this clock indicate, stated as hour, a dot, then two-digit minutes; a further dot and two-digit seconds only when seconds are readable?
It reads 4.38
